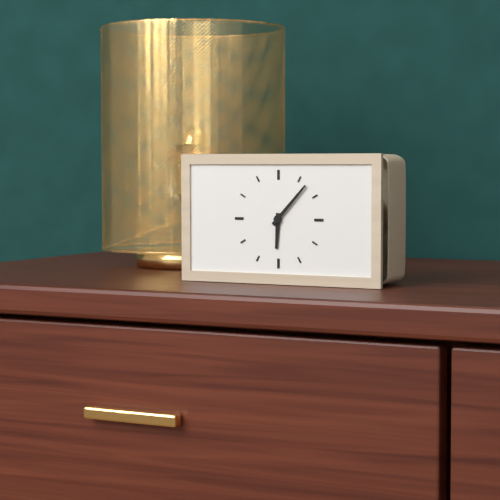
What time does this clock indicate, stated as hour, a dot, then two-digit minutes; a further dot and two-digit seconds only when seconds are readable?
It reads 6.07
